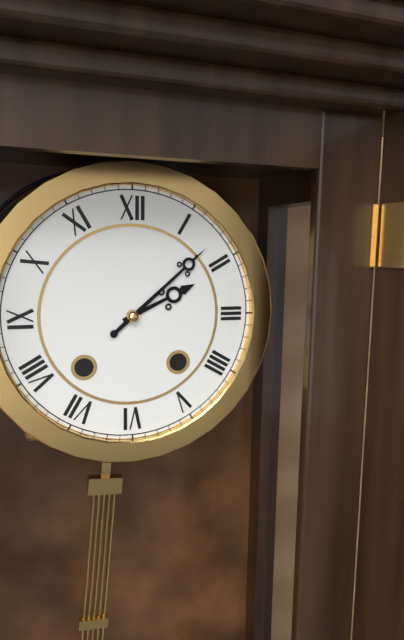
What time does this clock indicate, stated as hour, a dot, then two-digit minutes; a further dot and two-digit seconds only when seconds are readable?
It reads 2.08
